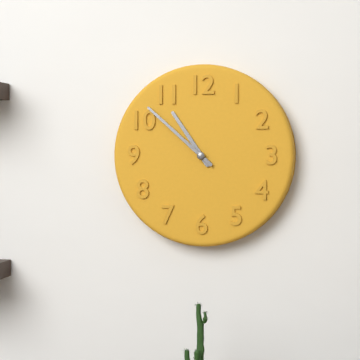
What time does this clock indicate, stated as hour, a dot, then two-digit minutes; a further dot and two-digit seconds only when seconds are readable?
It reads 10.52
